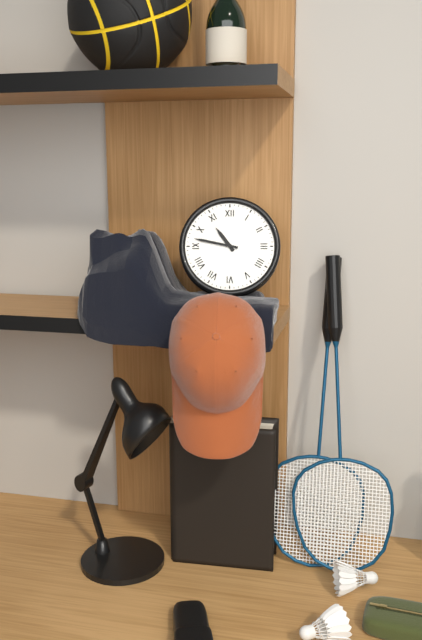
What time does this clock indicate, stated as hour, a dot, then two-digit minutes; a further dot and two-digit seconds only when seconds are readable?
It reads 10.47
